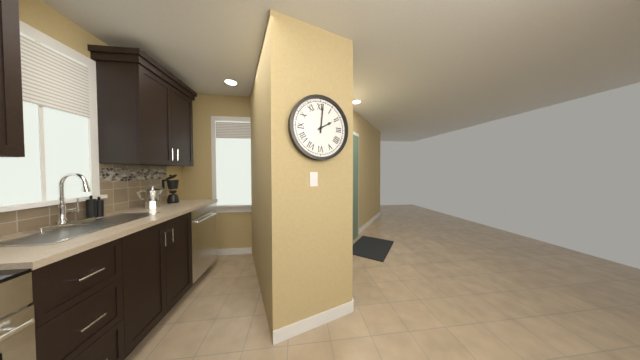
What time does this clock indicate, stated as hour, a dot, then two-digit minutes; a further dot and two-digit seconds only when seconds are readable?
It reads 2.01
